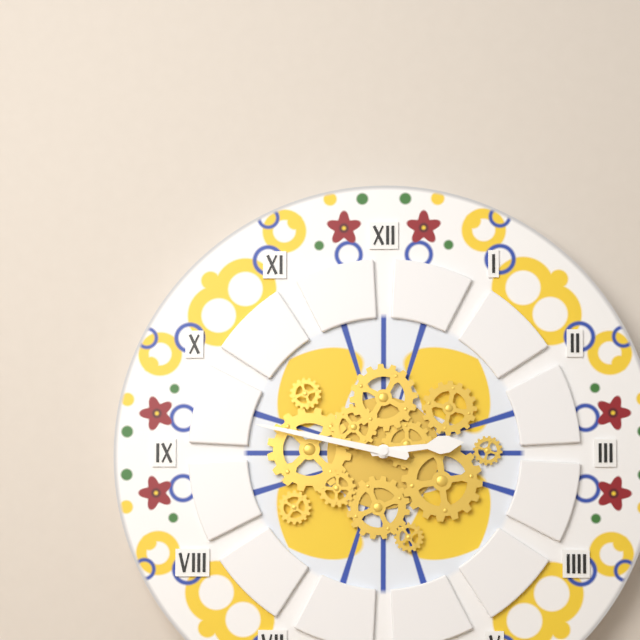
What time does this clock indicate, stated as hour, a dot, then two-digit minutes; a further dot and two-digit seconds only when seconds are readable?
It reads 2.47
